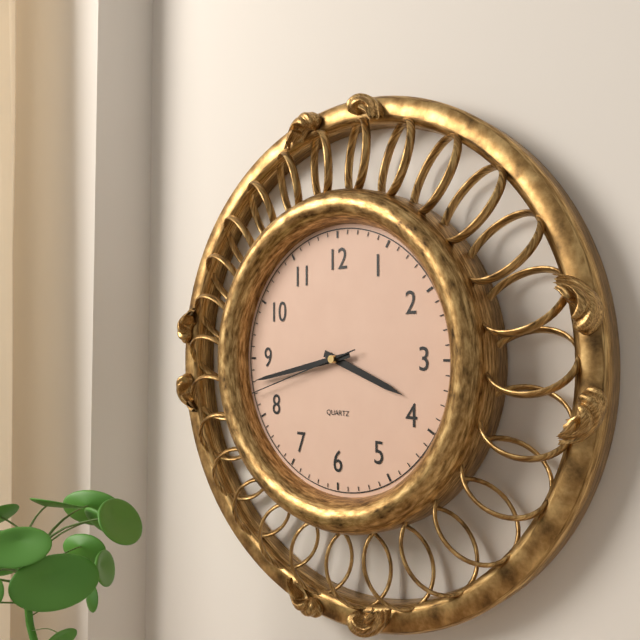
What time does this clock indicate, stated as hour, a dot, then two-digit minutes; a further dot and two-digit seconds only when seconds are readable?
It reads 3.43.42
